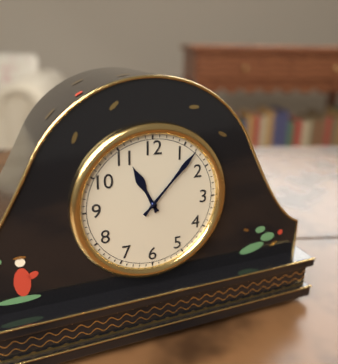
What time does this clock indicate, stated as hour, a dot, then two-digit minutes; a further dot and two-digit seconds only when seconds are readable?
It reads 11.07
